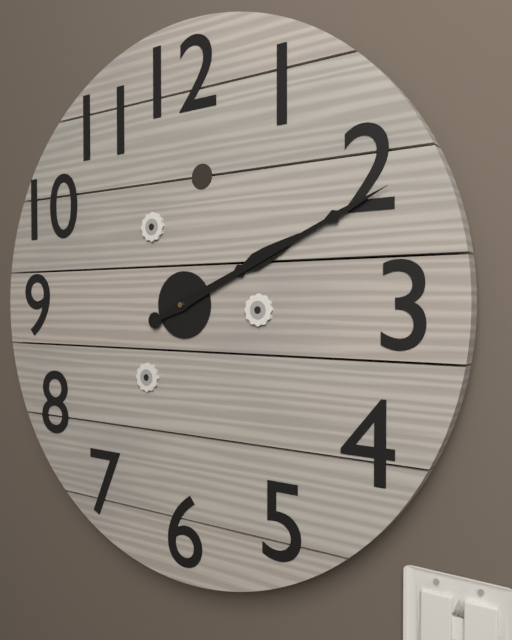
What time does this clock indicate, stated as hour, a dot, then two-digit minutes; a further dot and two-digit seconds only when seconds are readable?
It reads 2.11
